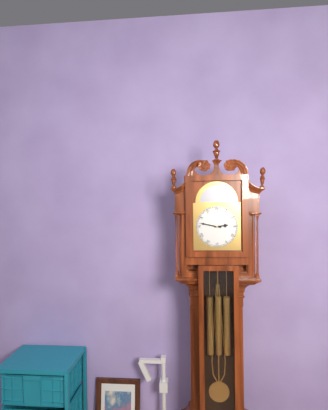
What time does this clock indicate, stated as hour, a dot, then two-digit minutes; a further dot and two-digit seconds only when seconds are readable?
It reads 2.47
